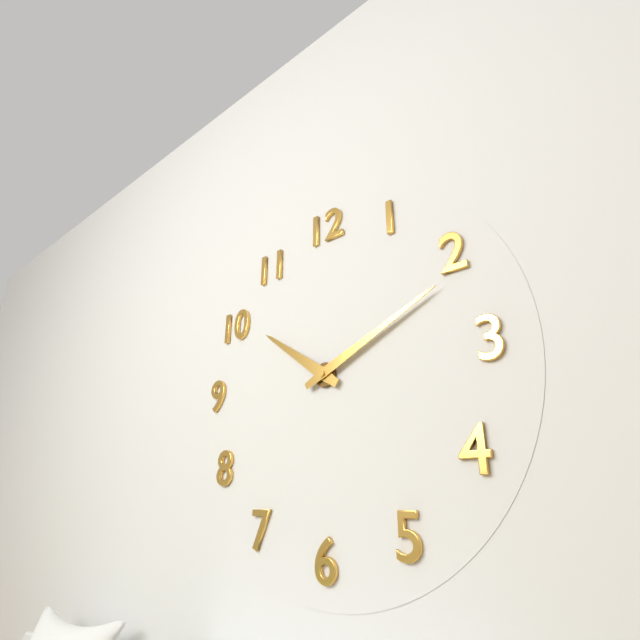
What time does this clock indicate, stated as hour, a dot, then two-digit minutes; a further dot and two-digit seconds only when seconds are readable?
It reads 10.11
